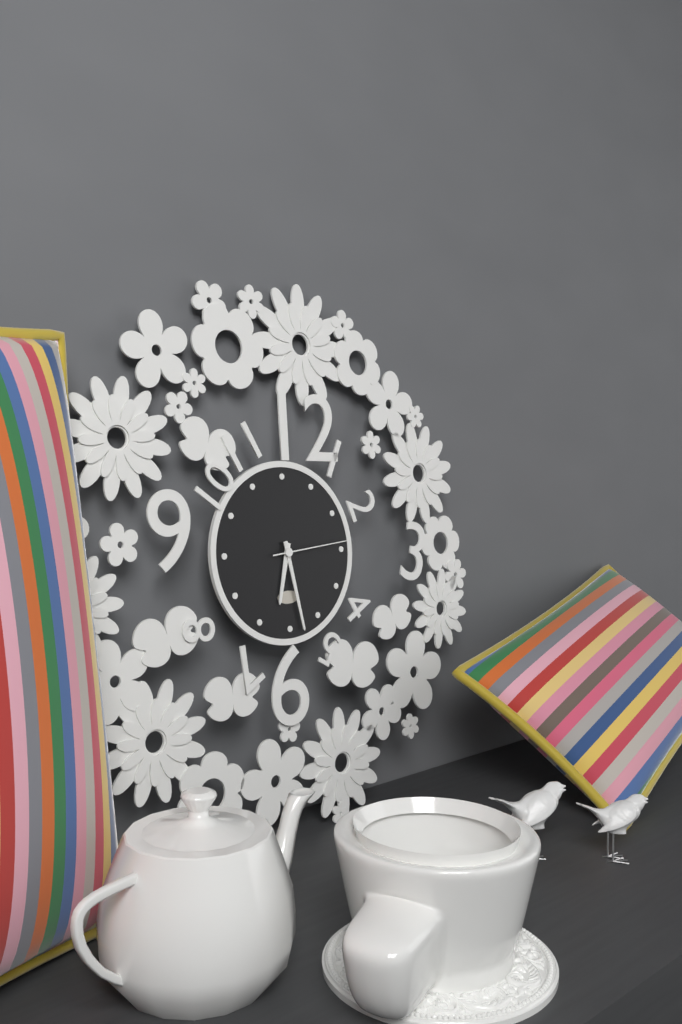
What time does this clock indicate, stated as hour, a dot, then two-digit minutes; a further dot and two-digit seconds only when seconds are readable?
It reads 6.28.14
